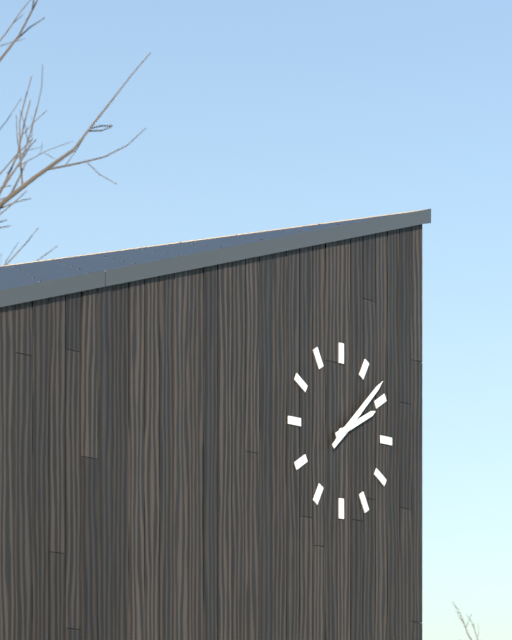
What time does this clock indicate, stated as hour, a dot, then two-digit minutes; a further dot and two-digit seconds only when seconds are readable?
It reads 2.08
